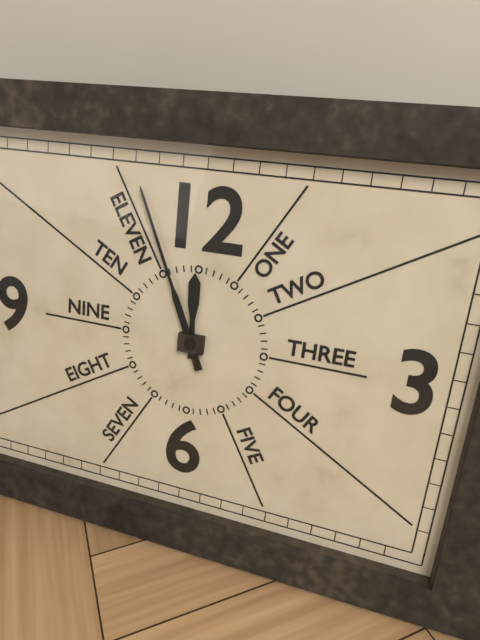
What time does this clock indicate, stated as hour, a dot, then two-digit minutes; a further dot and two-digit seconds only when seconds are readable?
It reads 11.56
